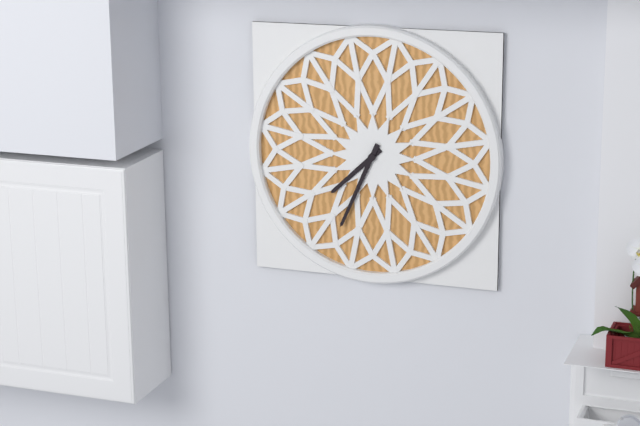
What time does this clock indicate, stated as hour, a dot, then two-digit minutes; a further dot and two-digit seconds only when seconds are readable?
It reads 7.34
